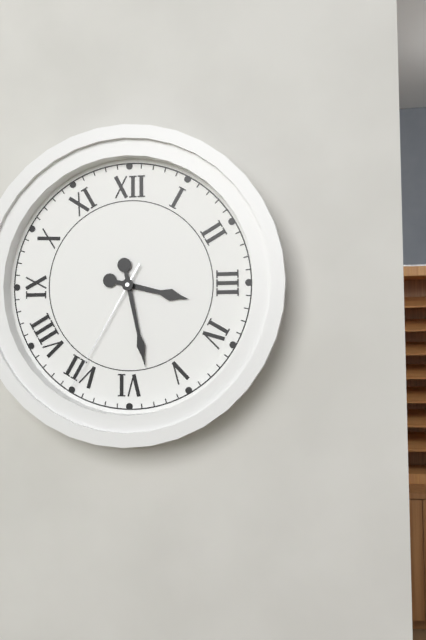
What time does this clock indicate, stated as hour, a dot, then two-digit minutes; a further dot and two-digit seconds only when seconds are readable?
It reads 3.28.35
